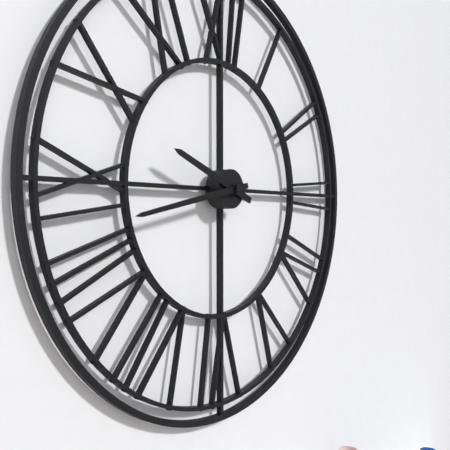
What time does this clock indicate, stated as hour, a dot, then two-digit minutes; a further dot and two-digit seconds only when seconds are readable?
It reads 9.43
